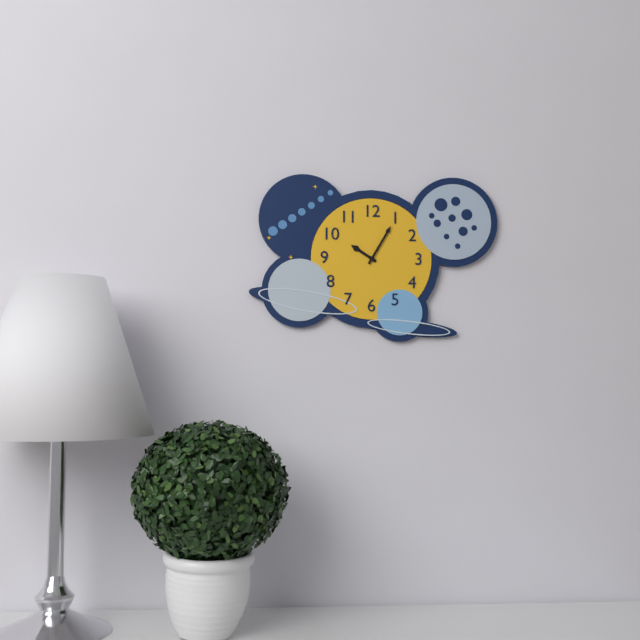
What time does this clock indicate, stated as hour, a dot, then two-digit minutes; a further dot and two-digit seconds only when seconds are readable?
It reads 10.05
